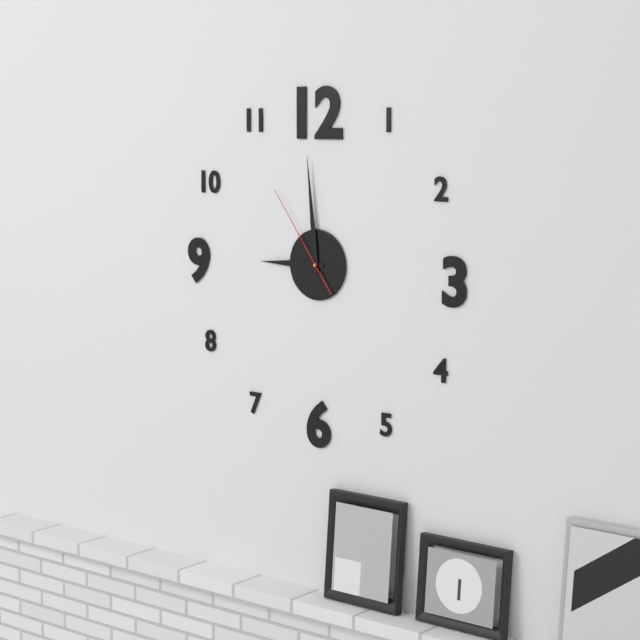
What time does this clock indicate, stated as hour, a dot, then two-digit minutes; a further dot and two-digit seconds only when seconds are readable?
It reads 8.59.54
